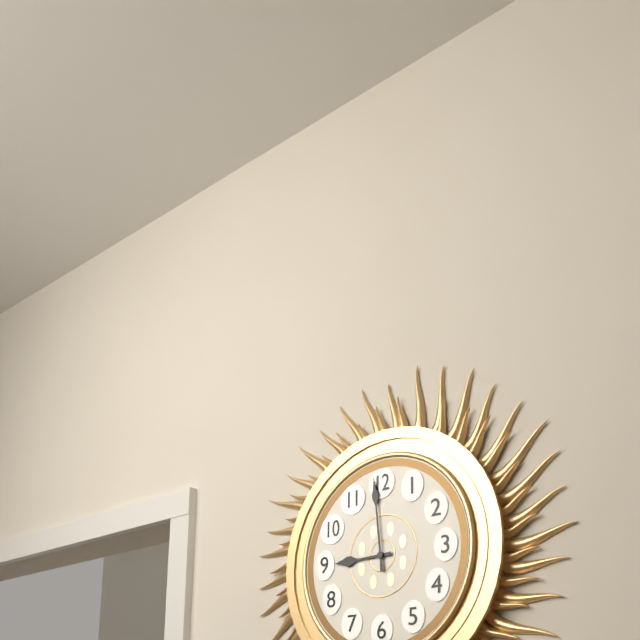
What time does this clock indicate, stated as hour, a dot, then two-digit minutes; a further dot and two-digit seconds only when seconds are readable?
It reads 8.59
